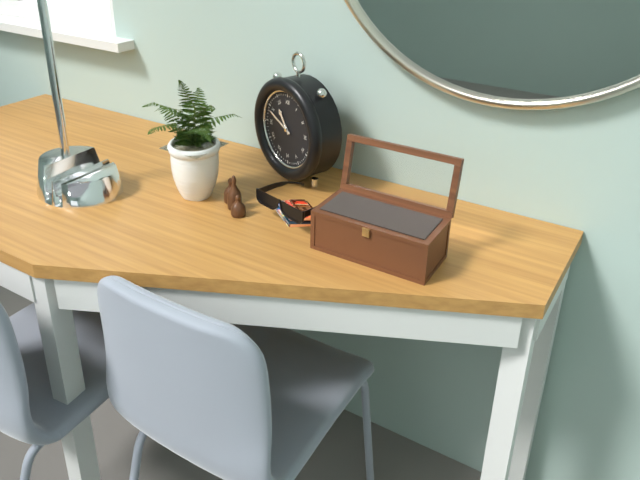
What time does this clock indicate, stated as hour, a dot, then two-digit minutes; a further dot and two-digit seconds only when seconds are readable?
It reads 10.49
